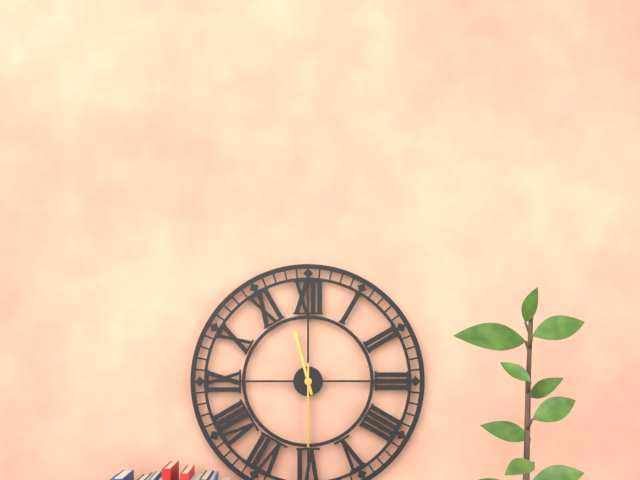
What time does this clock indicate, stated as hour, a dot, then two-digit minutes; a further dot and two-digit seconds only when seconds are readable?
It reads 11.30
